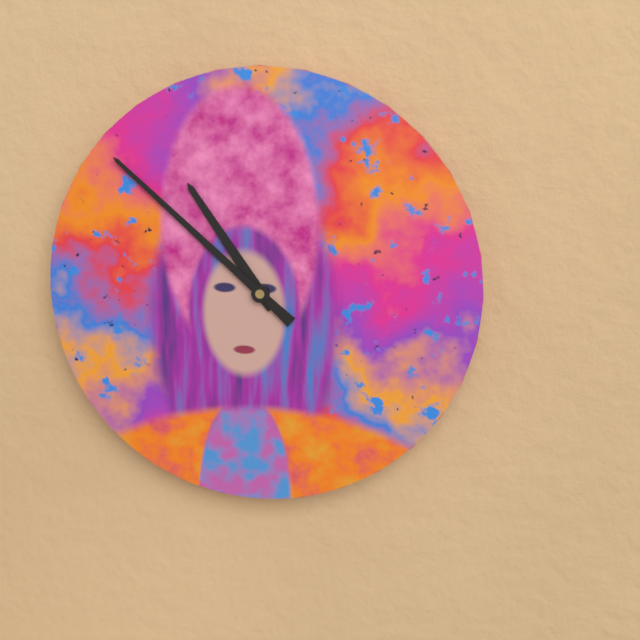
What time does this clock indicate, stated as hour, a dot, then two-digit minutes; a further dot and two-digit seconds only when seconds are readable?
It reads 10.52
